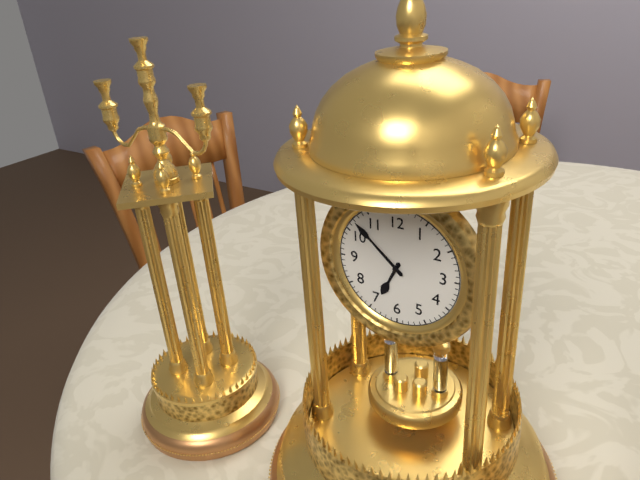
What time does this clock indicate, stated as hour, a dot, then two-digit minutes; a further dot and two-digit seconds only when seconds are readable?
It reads 6.52
